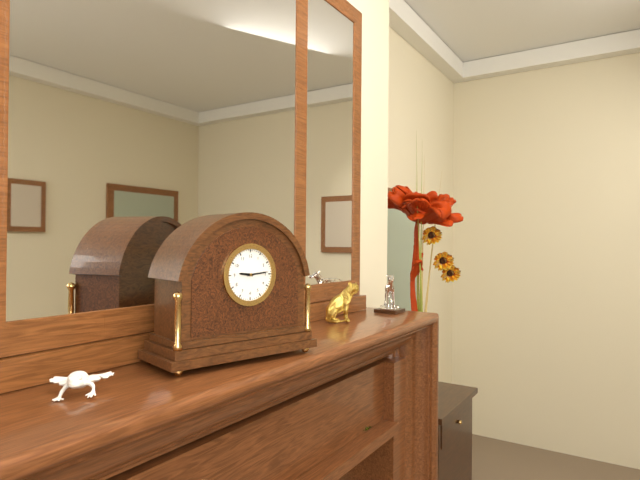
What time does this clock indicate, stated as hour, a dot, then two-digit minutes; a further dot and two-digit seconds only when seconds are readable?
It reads 9.14
